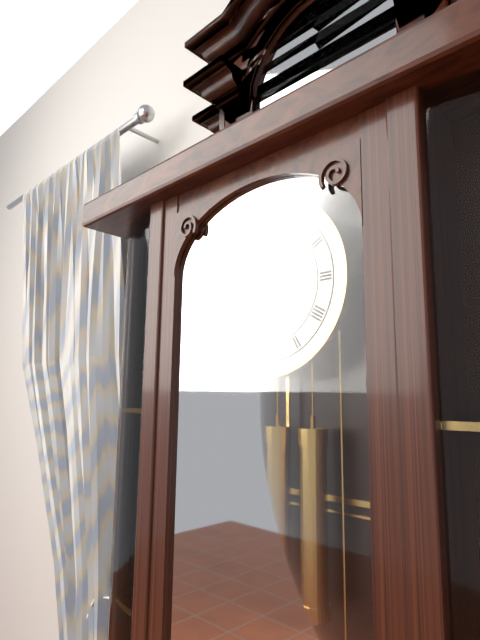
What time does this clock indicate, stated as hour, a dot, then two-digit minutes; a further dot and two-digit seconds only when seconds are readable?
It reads 7.40
